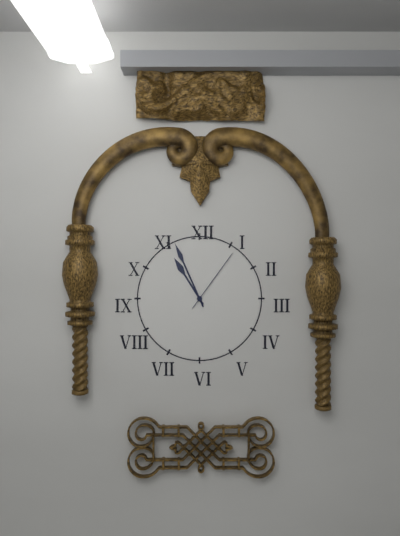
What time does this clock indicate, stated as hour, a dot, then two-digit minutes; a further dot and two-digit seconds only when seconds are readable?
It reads 10.56.06
